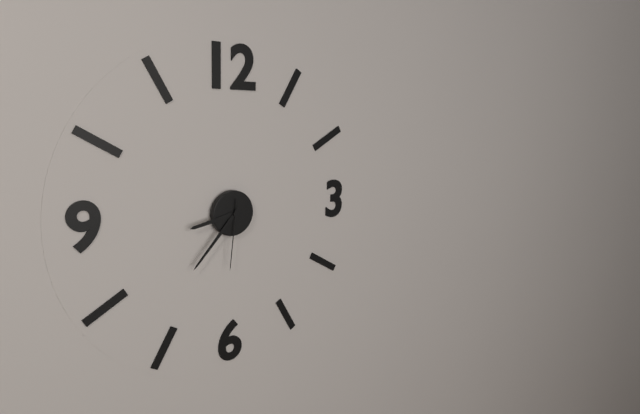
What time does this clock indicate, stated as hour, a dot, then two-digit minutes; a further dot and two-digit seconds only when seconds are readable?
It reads 8.37.31
